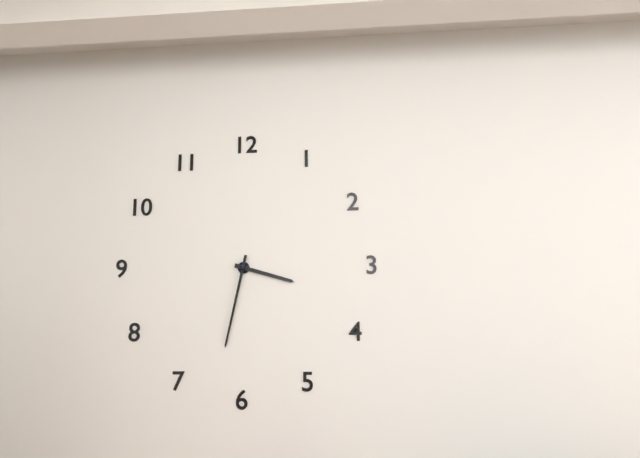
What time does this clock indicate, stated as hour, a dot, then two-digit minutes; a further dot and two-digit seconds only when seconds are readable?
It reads 3.32
